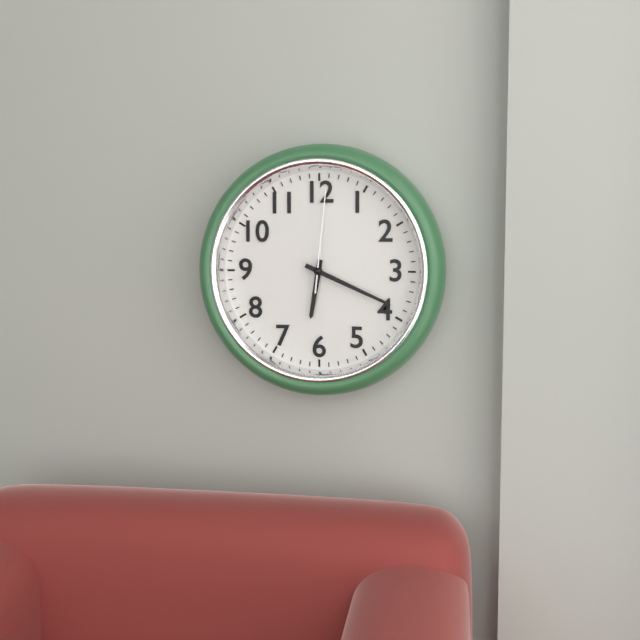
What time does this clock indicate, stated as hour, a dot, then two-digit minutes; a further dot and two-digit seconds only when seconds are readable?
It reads 6.19.01
